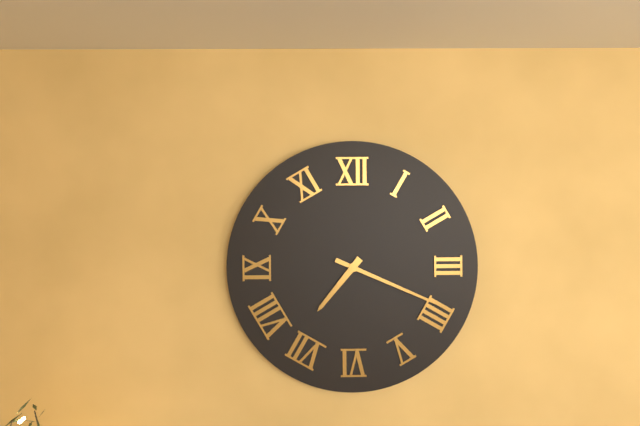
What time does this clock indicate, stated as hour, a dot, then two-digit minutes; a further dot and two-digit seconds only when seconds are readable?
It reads 7.19
